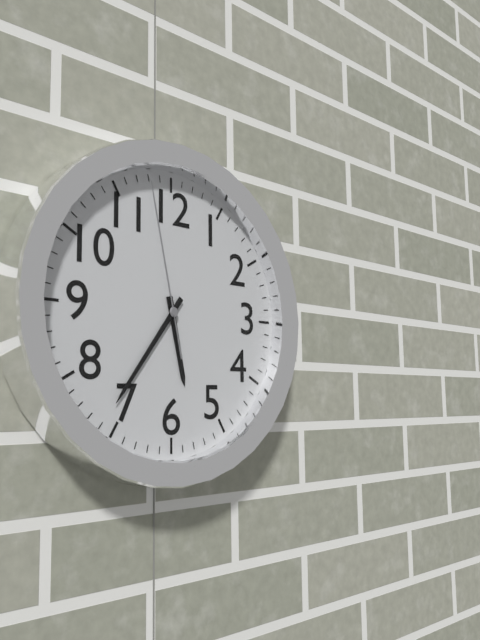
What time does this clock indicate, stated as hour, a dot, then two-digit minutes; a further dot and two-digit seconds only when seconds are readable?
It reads 5.36.58
